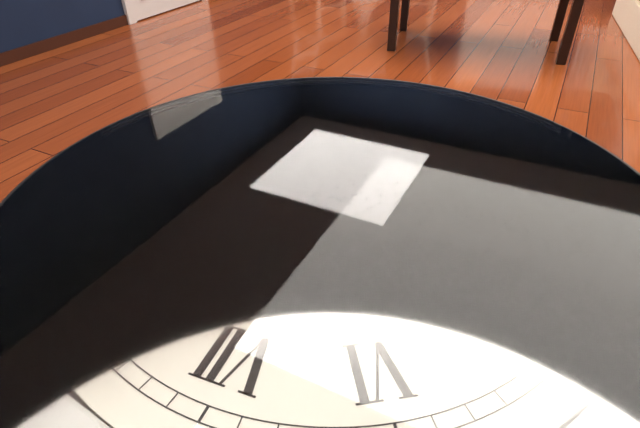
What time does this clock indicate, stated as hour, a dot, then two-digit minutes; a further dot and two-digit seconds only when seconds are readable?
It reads 2.53
